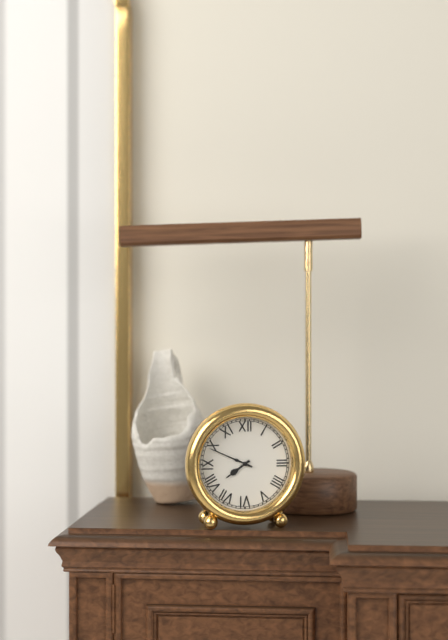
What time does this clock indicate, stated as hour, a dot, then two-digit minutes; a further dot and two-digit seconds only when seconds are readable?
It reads 7.49
